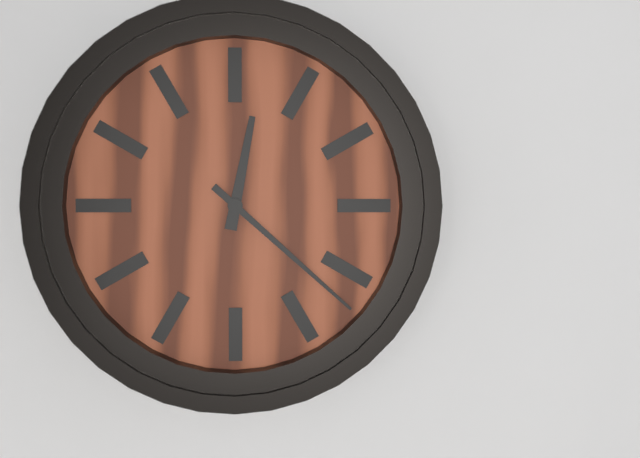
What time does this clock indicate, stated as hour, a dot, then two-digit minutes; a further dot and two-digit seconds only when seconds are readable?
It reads 12.22
